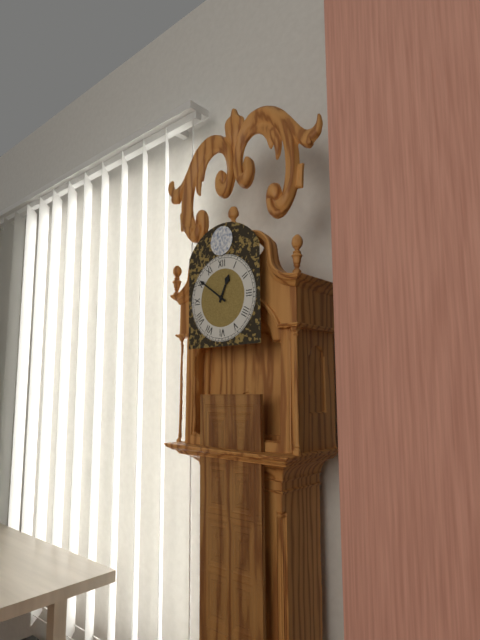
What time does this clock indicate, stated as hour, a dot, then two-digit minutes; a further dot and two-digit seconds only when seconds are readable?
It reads 12.51
